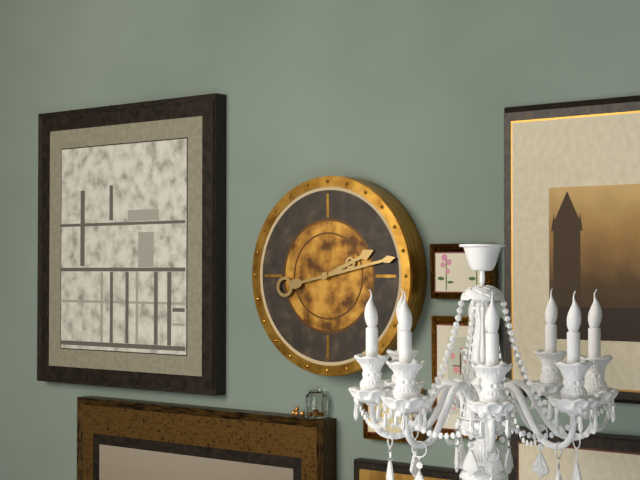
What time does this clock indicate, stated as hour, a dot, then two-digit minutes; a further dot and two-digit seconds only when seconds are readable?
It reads 2.13
